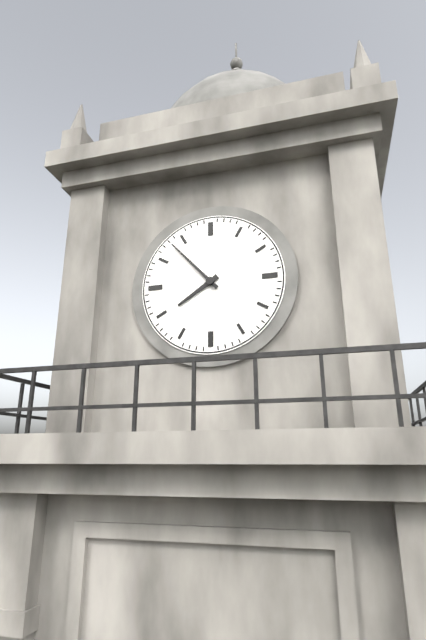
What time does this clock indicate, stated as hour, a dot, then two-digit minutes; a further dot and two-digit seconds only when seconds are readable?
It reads 7.53
